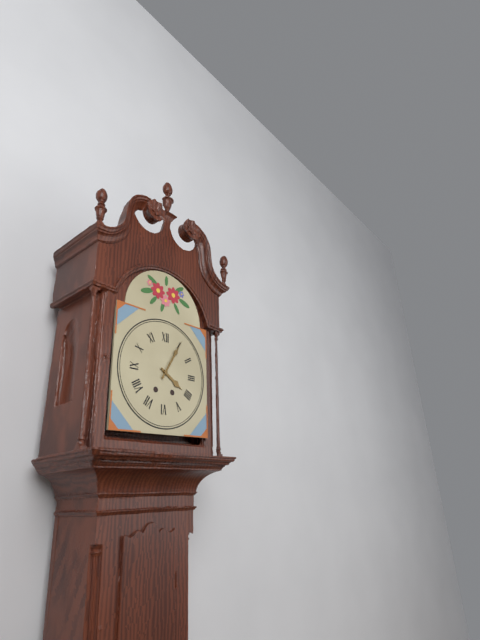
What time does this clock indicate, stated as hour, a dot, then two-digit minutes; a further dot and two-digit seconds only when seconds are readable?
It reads 4.05
